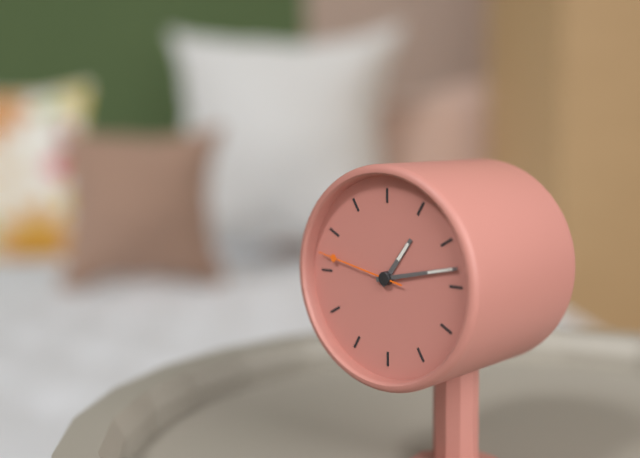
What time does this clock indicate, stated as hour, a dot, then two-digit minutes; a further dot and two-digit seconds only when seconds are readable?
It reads 1.13.47
